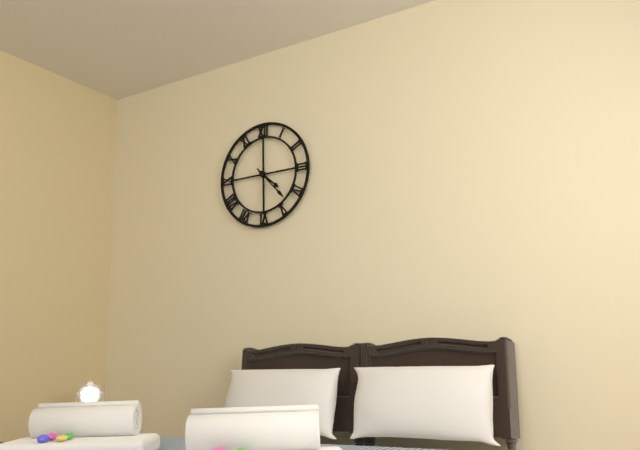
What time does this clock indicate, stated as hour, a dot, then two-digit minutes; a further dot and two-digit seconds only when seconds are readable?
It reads 4.23
